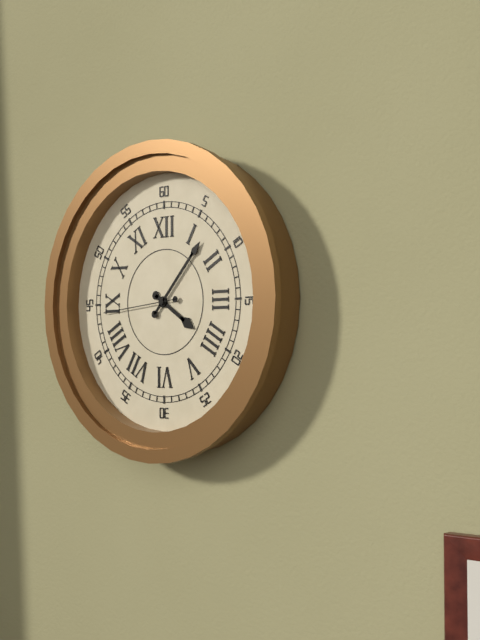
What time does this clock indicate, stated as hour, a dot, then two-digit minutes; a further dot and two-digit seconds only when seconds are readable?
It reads 4.07.44
